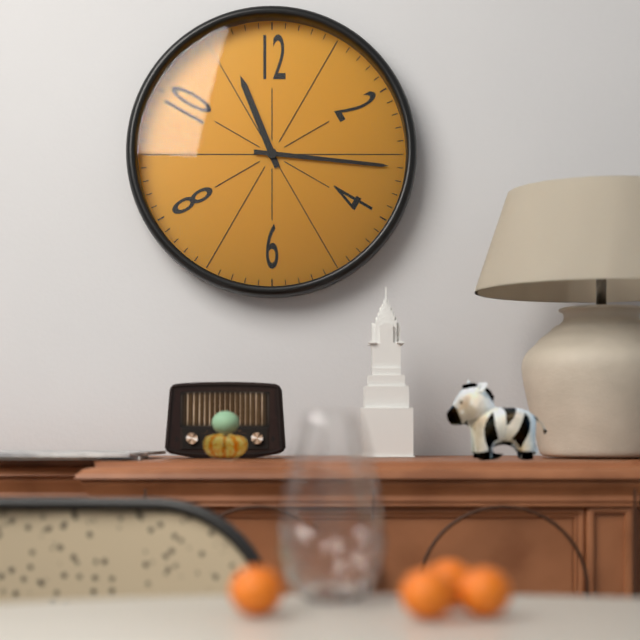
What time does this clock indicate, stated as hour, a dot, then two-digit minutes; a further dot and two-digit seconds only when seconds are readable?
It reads 11.16
